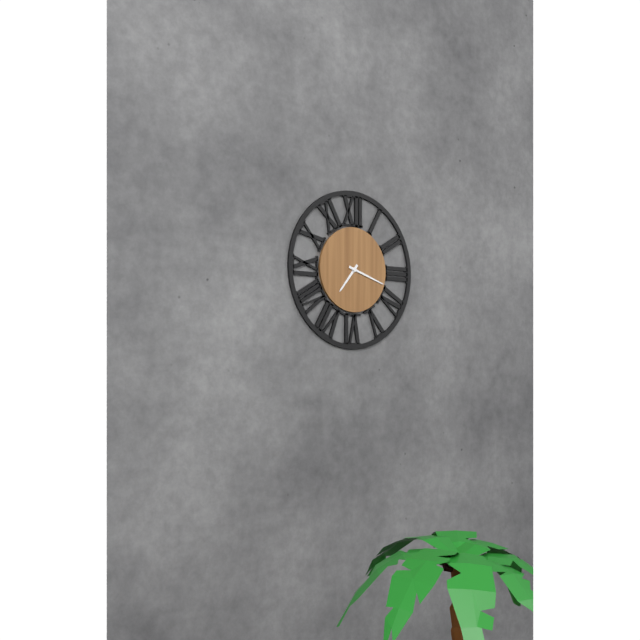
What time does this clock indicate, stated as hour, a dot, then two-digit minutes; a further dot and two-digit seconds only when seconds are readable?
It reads 7.18
